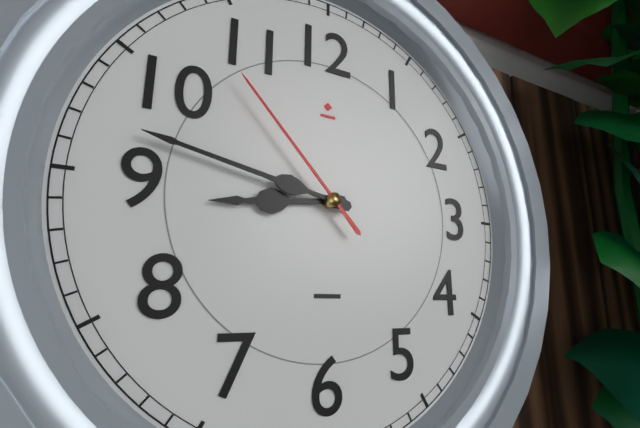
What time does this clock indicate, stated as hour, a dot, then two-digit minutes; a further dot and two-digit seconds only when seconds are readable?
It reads 8.47.53
